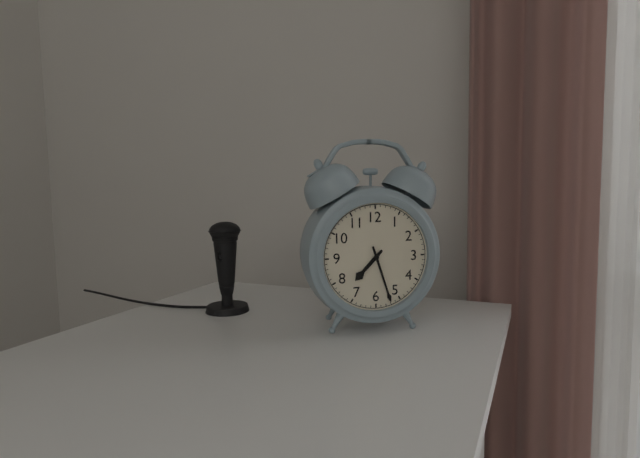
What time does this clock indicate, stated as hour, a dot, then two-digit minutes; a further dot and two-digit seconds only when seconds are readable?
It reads 7.27
